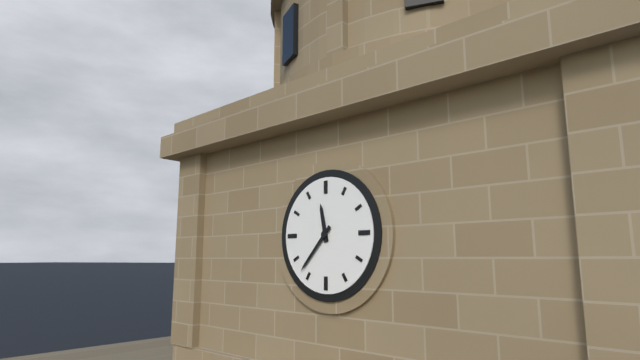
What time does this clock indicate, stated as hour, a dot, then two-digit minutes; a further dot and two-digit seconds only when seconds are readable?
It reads 11.37
